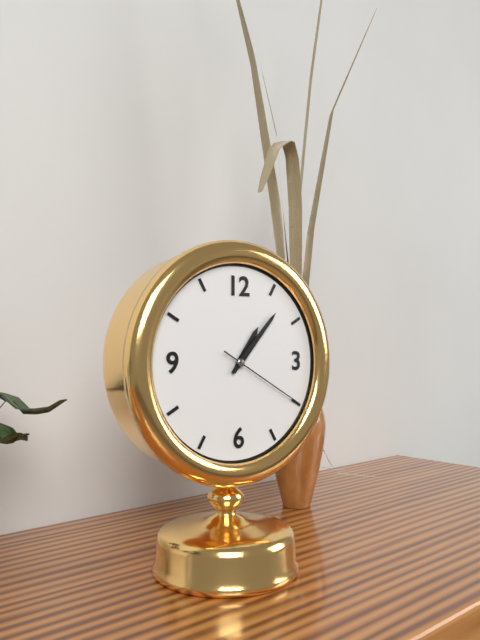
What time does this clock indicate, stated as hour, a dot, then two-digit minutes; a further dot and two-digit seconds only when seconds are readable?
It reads 1.07.20
